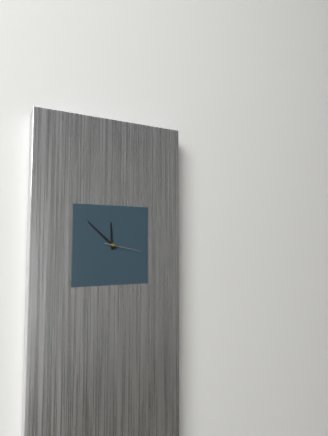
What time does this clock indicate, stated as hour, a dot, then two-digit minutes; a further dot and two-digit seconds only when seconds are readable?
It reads 11.52
